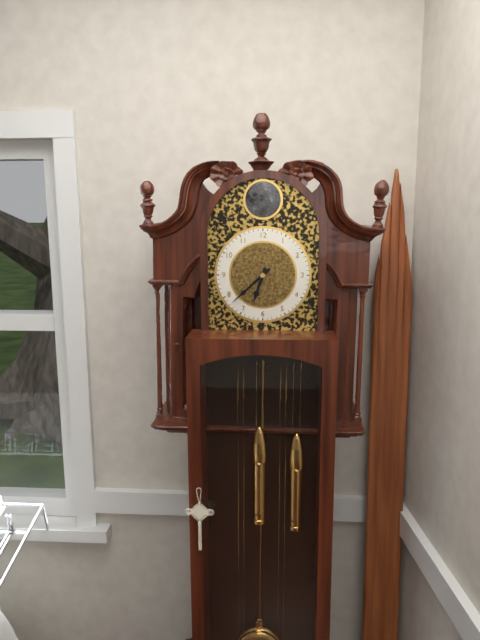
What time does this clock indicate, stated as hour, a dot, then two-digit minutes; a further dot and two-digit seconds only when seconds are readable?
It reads 6.38
